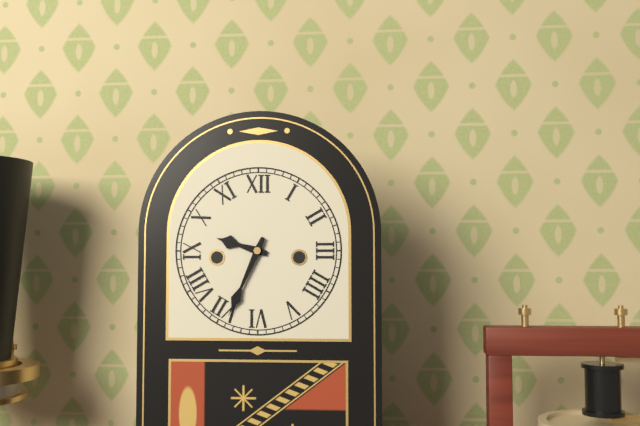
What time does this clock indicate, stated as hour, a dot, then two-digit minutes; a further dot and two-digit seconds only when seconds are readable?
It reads 9.34
